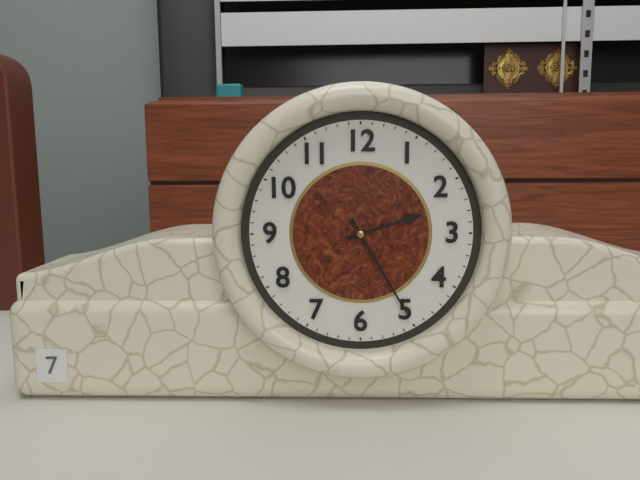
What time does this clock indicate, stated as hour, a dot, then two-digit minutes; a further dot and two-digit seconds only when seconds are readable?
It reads 2.25
